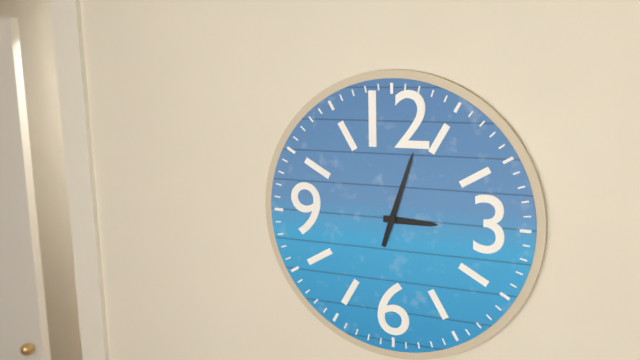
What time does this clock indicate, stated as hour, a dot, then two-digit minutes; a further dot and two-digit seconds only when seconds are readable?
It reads 3.03
